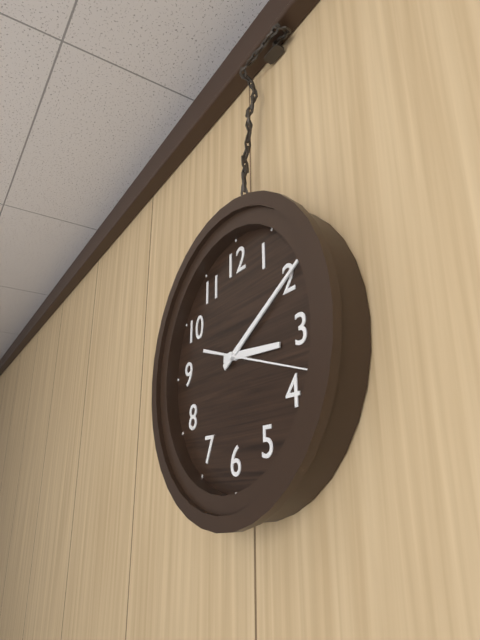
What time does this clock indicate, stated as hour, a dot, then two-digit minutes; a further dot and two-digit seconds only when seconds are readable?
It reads 3.10.18
